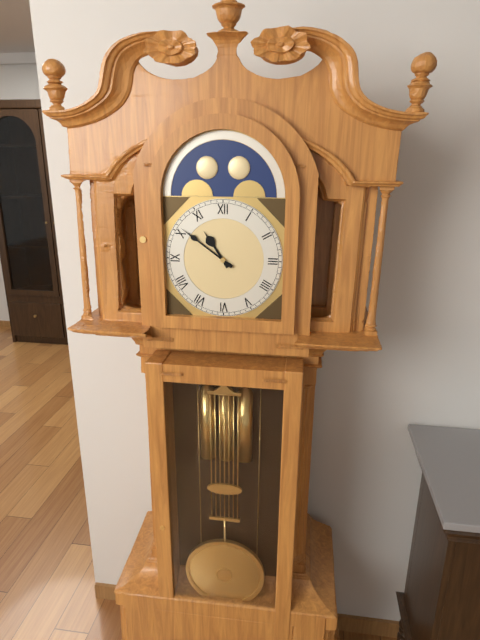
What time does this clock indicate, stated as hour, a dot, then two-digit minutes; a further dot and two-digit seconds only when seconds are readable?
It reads 10.51
